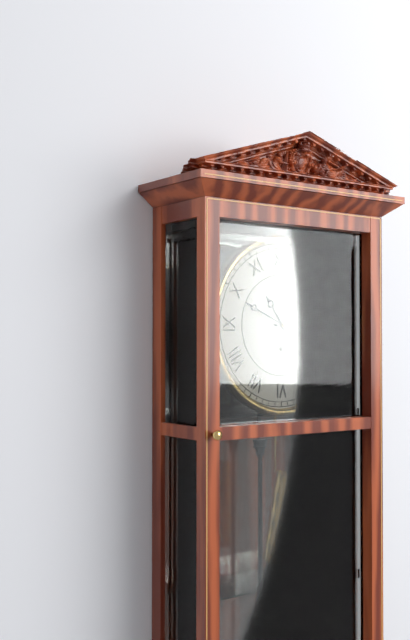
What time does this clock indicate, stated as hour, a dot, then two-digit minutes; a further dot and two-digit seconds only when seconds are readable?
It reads 10.49.15
